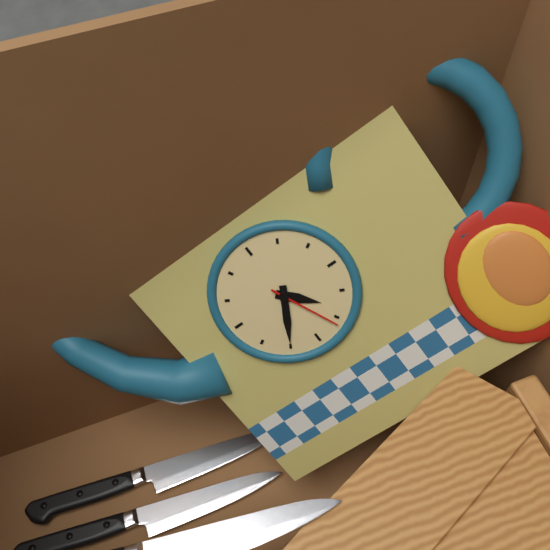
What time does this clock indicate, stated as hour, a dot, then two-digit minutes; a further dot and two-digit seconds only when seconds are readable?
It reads 4.35.26
